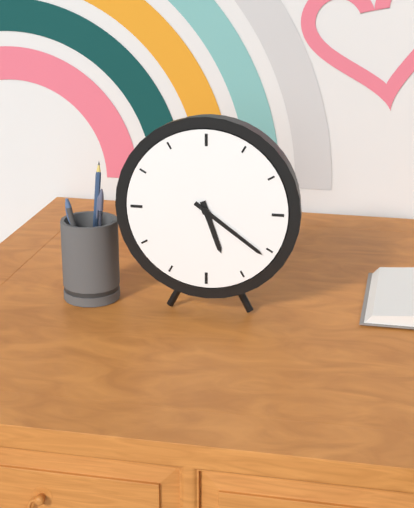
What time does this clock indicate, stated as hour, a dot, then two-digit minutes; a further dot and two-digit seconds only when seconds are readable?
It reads 5.21
